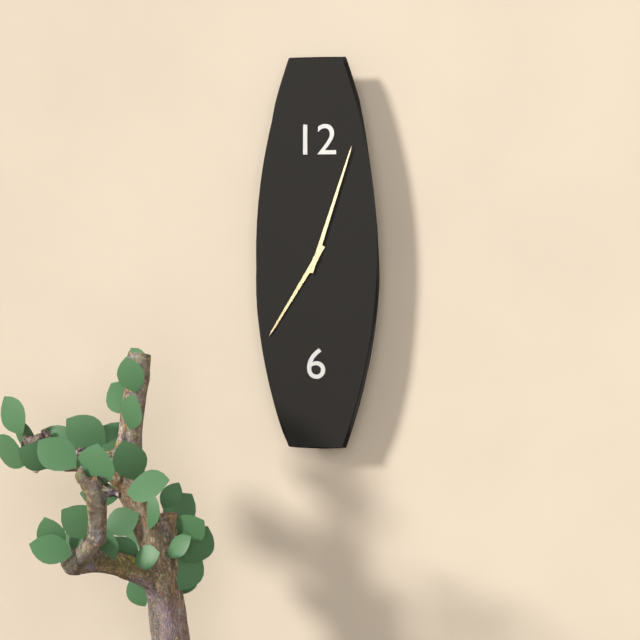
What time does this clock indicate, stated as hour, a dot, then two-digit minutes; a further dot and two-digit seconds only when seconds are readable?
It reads 7.03
